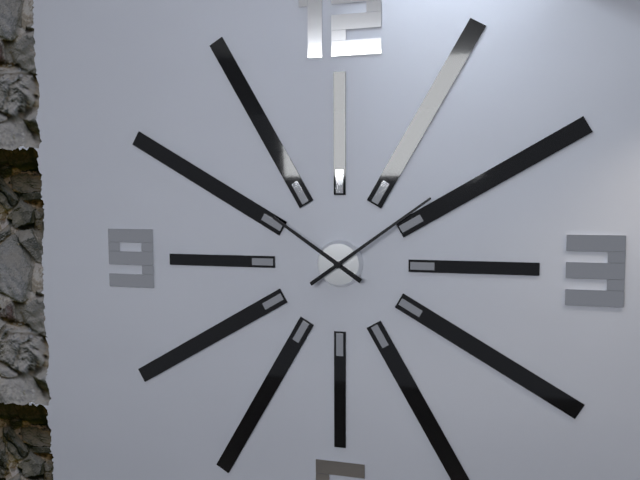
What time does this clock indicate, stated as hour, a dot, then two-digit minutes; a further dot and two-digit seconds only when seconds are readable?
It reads 10.09
